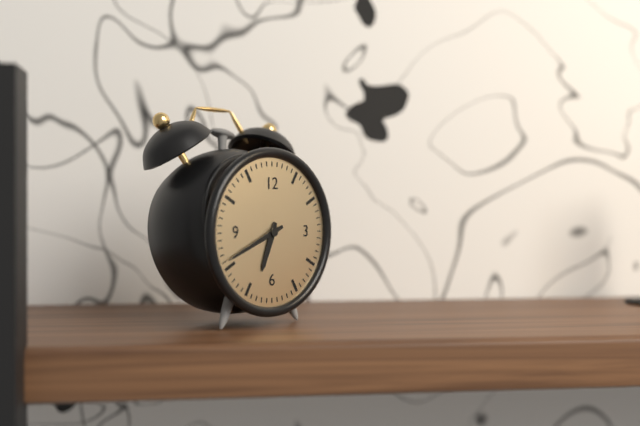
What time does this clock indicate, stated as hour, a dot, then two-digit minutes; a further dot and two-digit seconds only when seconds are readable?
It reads 6.41
